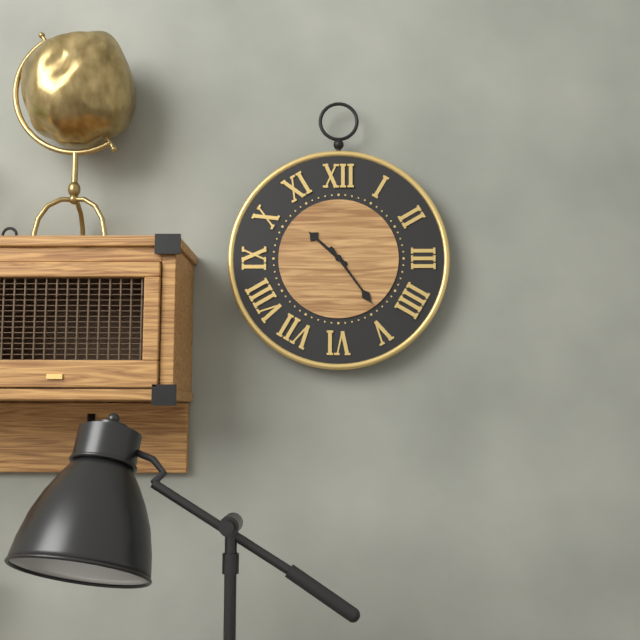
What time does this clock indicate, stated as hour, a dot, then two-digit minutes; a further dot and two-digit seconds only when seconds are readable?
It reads 10.24
